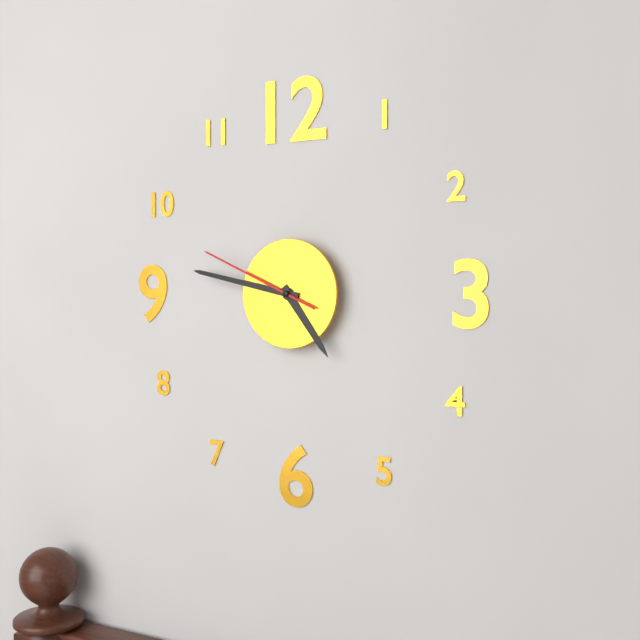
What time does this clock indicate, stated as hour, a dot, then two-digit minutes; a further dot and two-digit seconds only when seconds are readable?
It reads 4.47.49
